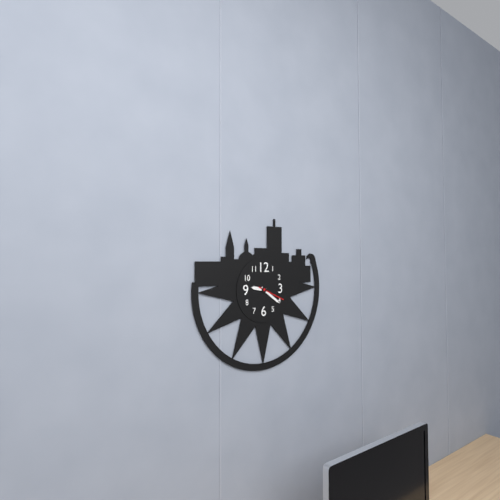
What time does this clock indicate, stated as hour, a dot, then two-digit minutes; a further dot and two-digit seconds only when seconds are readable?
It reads 9.21
